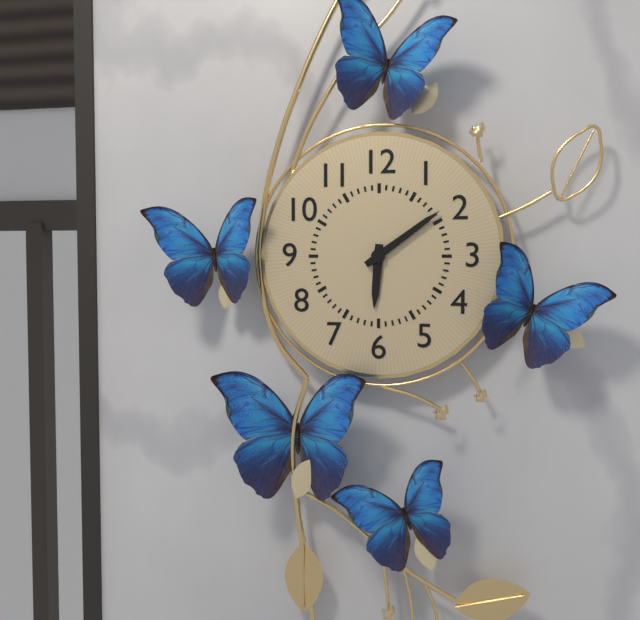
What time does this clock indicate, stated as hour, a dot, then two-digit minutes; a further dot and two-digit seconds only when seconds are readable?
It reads 6.09
